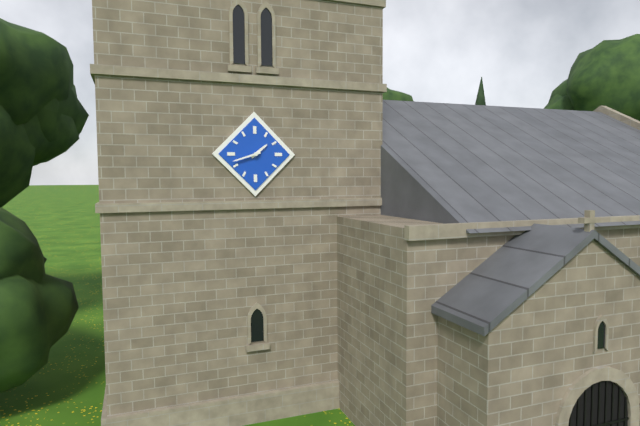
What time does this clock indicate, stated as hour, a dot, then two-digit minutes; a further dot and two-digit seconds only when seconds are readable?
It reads 1.42
